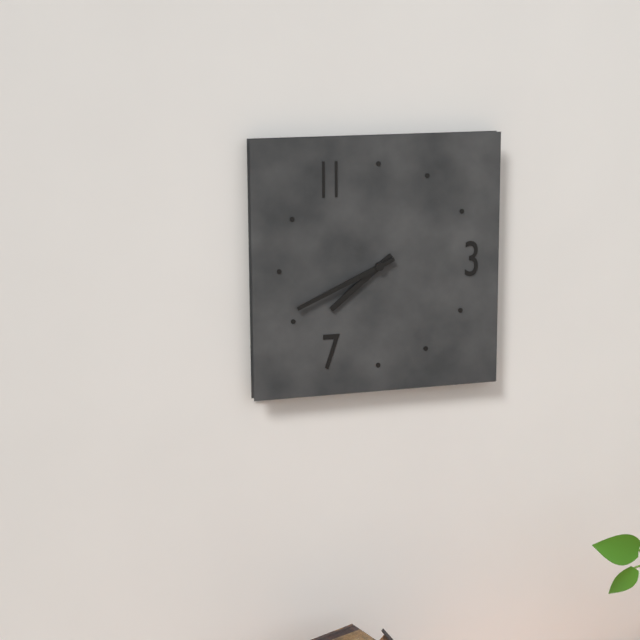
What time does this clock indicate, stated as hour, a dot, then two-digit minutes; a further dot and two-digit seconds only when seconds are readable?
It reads 7.41
